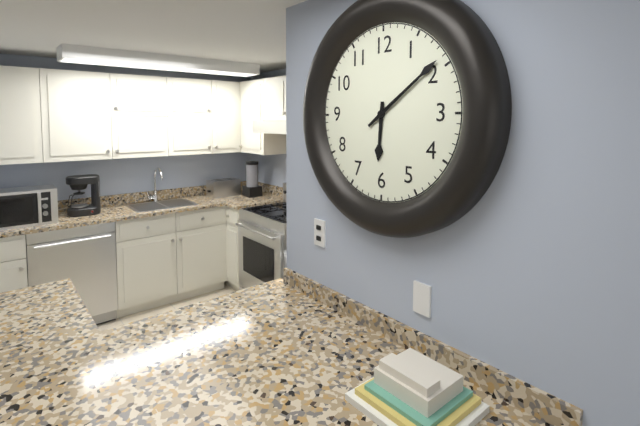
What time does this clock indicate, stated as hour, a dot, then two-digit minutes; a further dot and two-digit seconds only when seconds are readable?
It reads 6.09
